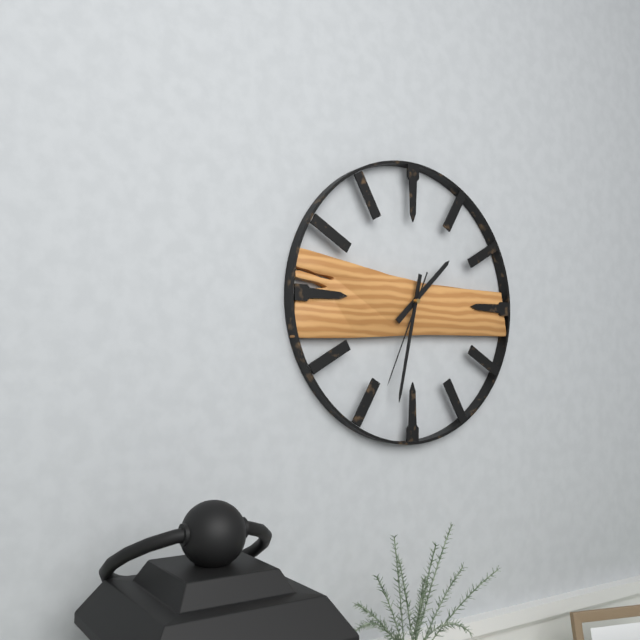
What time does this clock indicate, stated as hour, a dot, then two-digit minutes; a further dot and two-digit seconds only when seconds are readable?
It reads 1.32.34
